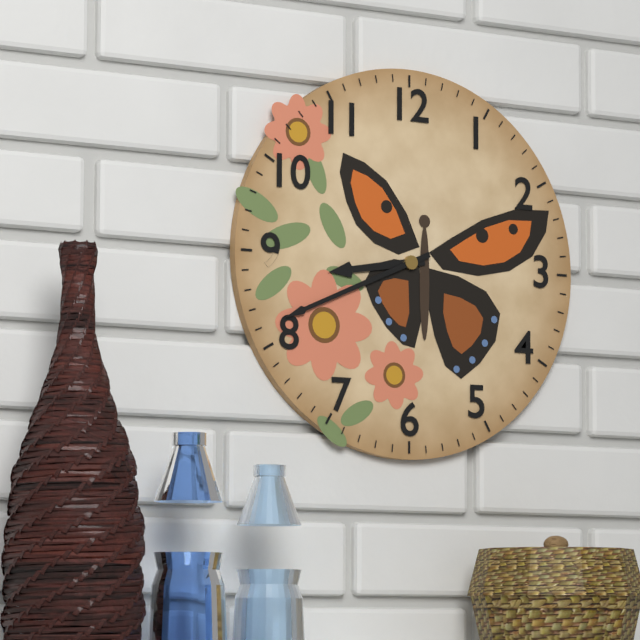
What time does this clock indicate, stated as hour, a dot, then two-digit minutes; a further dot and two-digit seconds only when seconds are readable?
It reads 8.41
